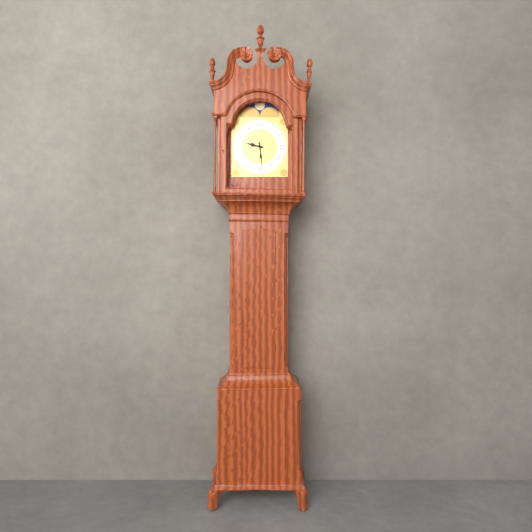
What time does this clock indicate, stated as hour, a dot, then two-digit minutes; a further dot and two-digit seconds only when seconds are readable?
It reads 9.29
